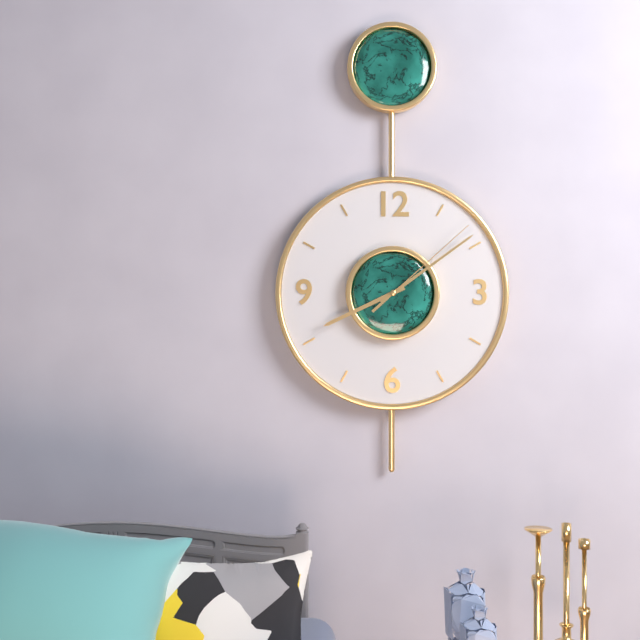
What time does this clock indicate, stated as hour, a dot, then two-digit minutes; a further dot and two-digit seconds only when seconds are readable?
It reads 8.09.08
